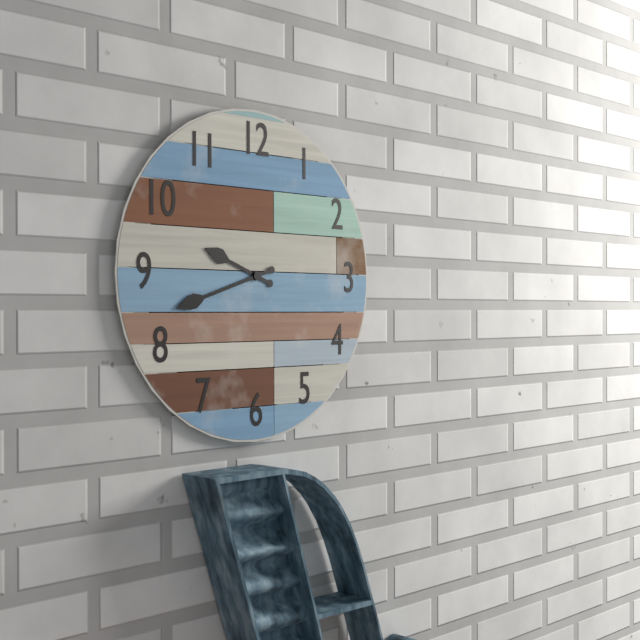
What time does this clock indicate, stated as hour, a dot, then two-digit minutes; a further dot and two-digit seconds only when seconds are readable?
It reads 9.42
